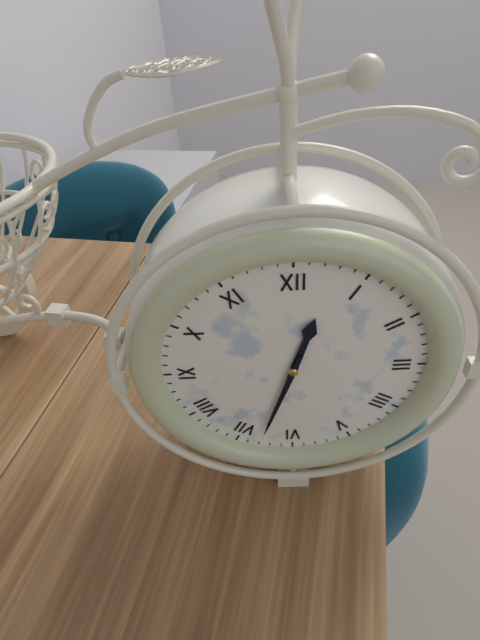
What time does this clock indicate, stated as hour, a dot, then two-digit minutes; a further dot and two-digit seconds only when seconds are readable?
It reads 12.33
